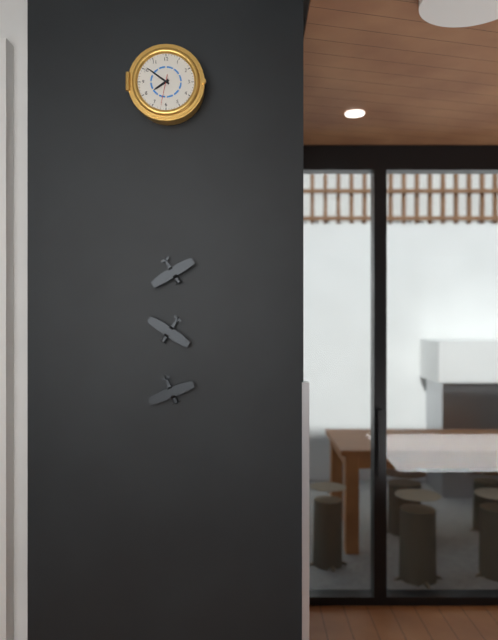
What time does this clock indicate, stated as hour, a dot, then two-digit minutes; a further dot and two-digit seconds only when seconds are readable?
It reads 7.51
